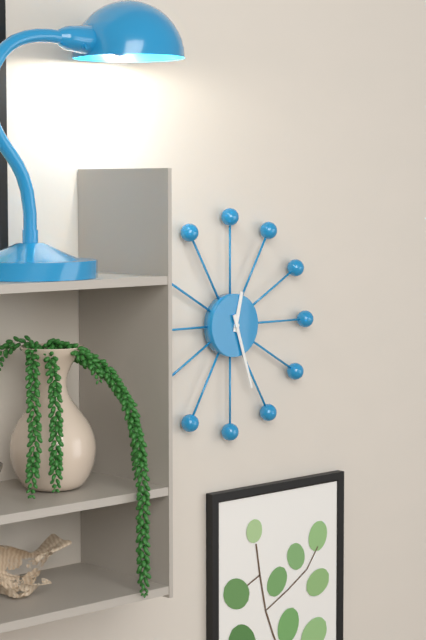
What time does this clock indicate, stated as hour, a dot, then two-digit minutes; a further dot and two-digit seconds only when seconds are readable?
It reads 12.27
